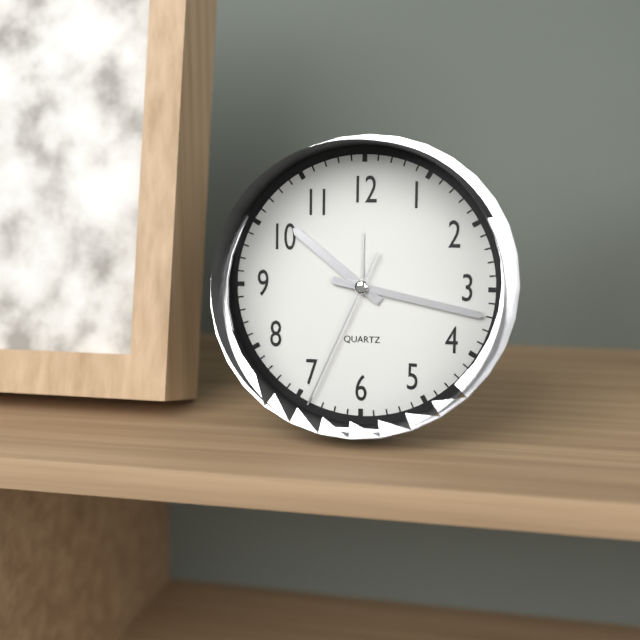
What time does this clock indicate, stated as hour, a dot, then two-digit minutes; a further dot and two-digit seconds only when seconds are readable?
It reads 10.17.34
